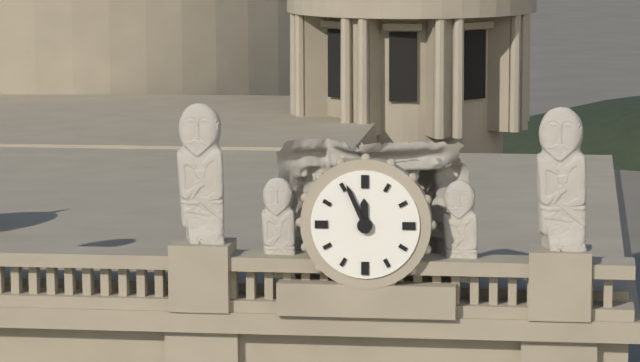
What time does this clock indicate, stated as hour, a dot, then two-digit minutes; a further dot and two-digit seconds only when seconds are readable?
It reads 11.56
